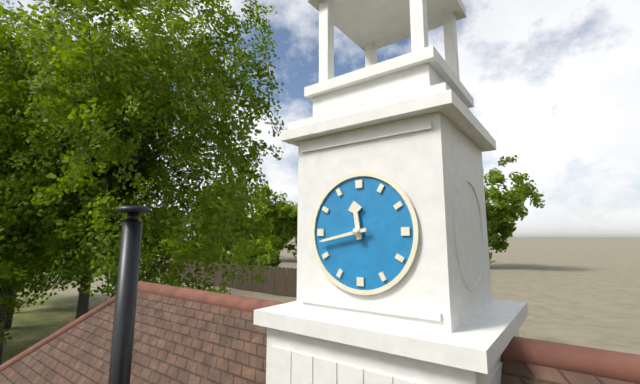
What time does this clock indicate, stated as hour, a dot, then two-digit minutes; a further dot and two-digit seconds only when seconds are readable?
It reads 11.43
